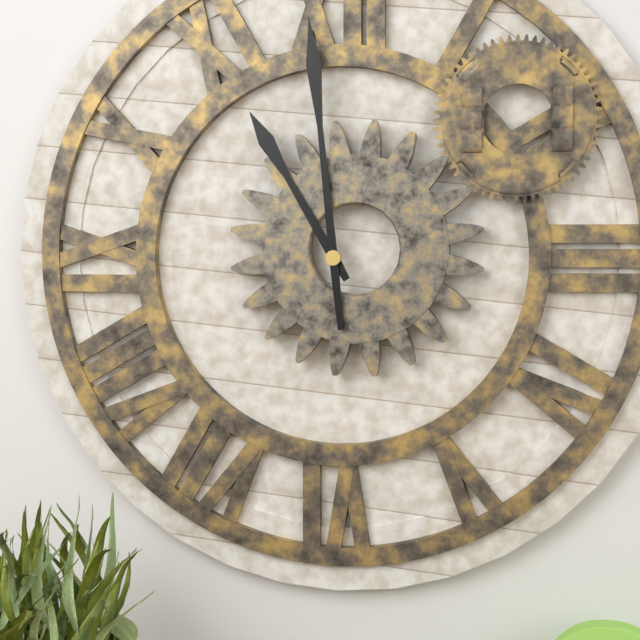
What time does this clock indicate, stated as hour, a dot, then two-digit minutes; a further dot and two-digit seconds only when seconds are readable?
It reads 10.59
